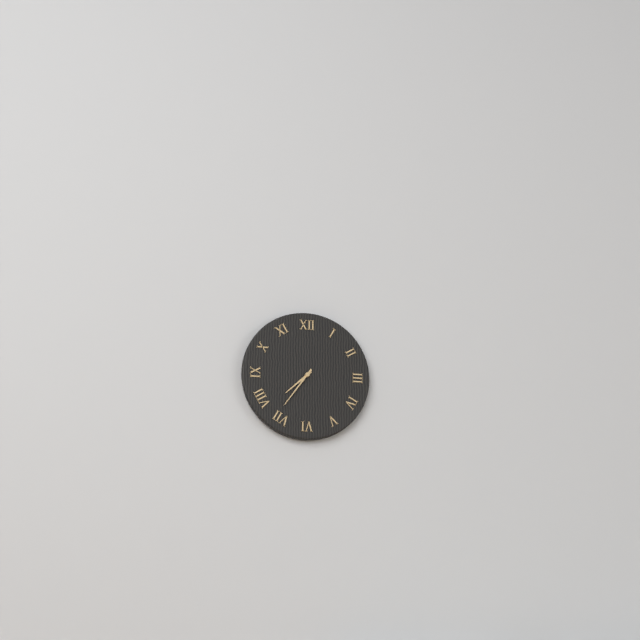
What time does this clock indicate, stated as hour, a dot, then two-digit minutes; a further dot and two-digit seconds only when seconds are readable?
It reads 7.36
